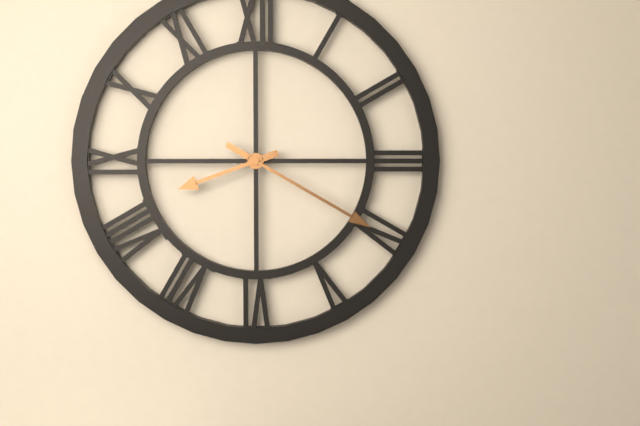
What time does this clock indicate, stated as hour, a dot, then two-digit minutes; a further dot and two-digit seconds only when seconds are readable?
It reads 8.20
